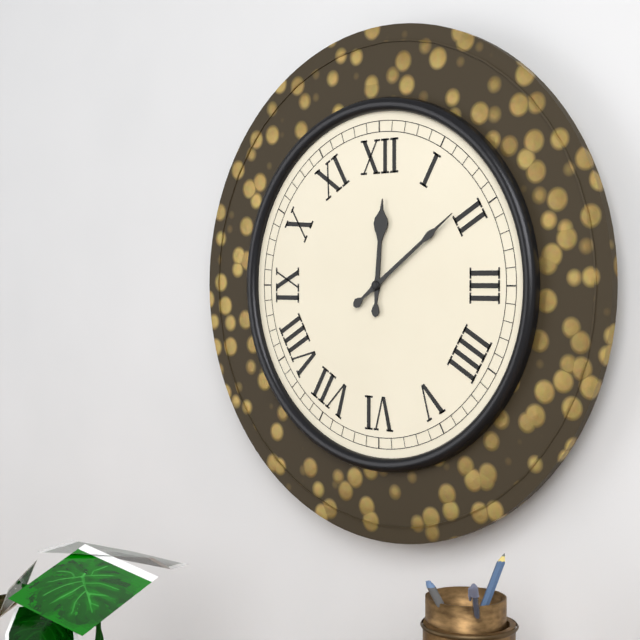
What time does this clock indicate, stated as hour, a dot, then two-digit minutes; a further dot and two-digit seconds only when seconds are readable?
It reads 12.09
